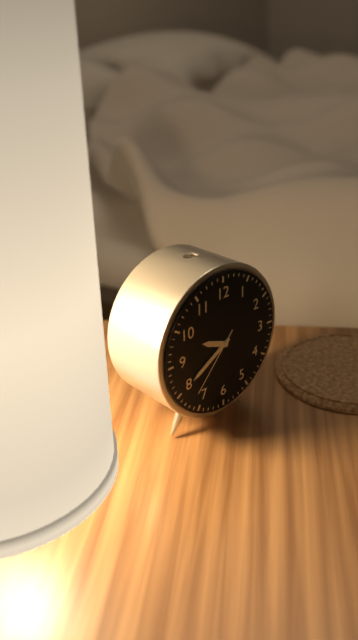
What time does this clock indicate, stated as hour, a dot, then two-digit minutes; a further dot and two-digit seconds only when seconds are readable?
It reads 9.40.37
